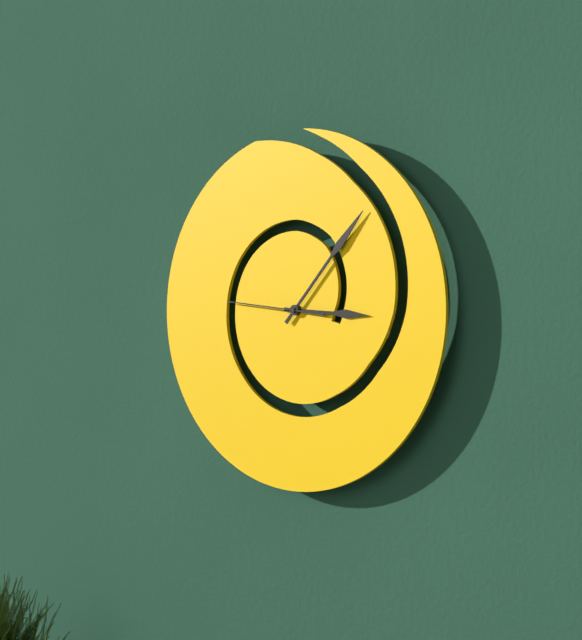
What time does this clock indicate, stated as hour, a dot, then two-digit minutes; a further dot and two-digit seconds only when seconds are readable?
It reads 3.07.46
